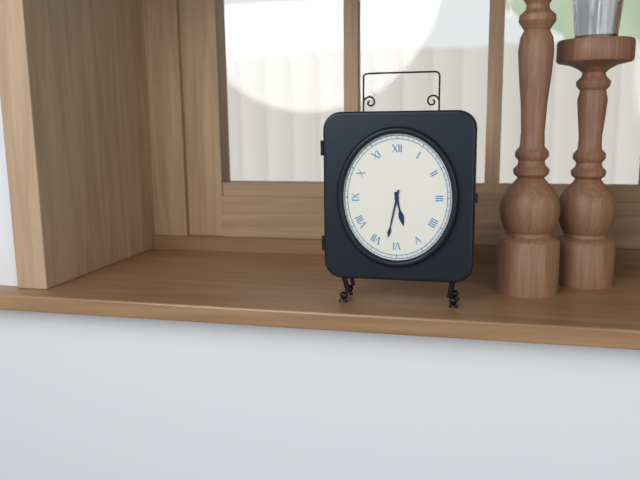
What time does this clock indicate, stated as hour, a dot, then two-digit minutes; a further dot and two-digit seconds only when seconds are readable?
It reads 5.32
